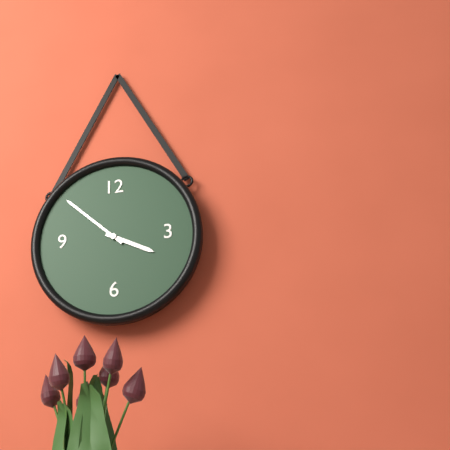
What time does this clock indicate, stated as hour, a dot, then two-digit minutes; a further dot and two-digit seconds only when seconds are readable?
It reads 3.52
